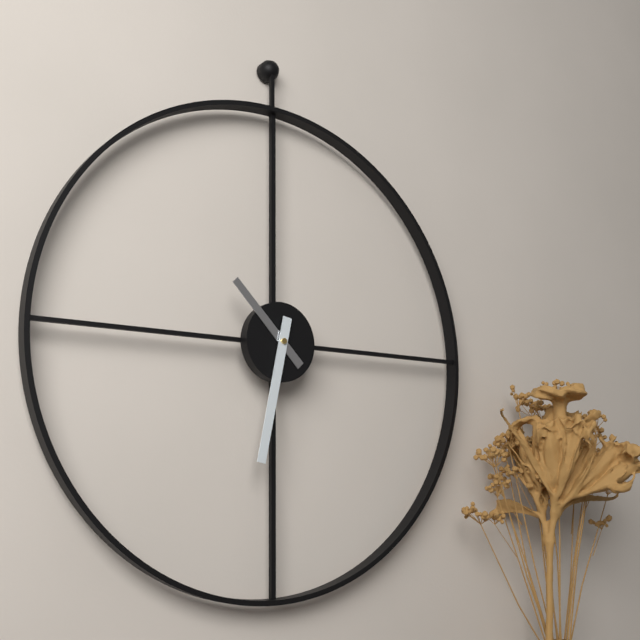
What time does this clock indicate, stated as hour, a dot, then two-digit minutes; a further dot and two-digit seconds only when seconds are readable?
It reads 10.32
